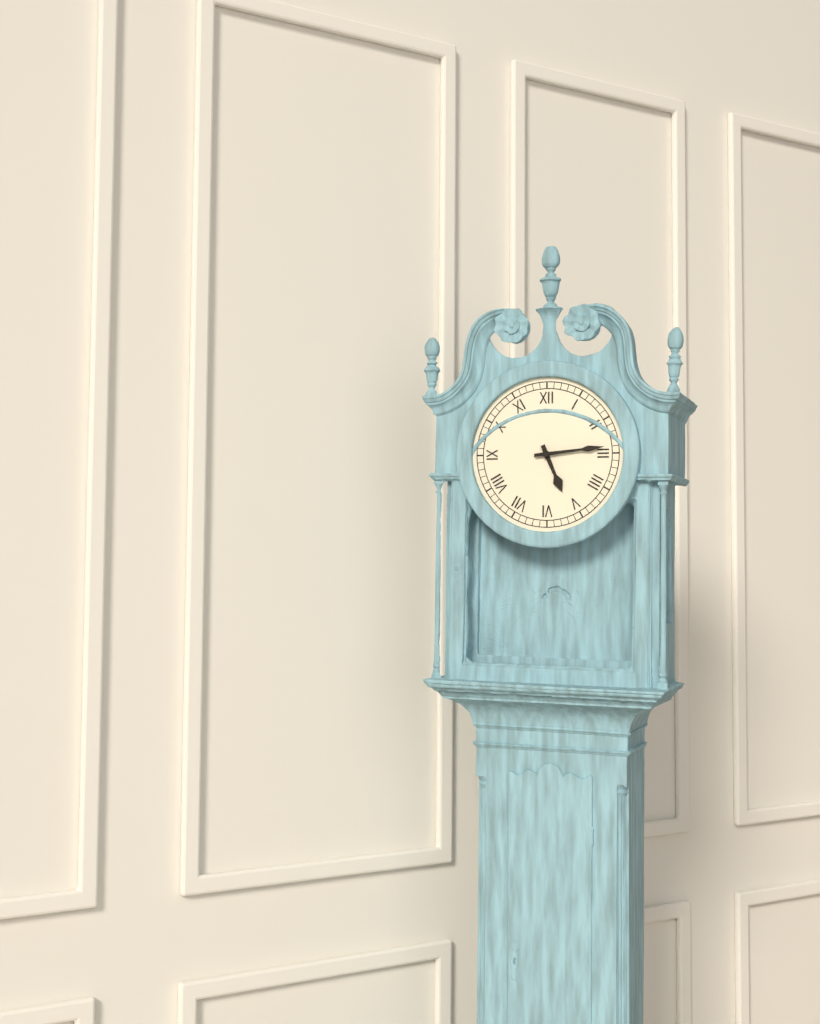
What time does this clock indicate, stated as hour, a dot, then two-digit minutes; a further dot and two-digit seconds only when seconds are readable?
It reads 5.14
